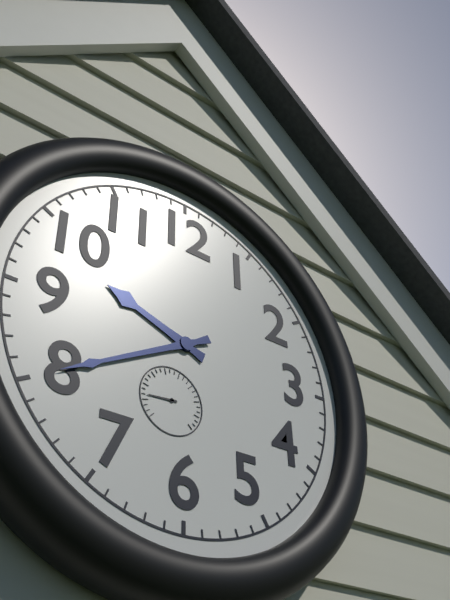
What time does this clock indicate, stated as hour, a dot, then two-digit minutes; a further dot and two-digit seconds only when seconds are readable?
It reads 9.40
